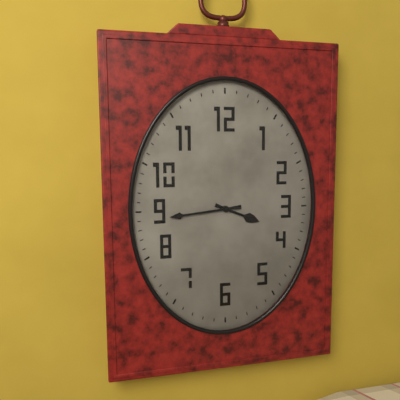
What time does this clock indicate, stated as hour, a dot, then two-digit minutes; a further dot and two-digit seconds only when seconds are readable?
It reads 3.44
